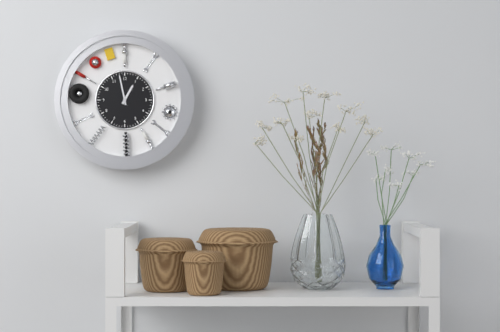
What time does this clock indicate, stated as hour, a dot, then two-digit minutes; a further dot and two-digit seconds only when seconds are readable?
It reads 12.58
